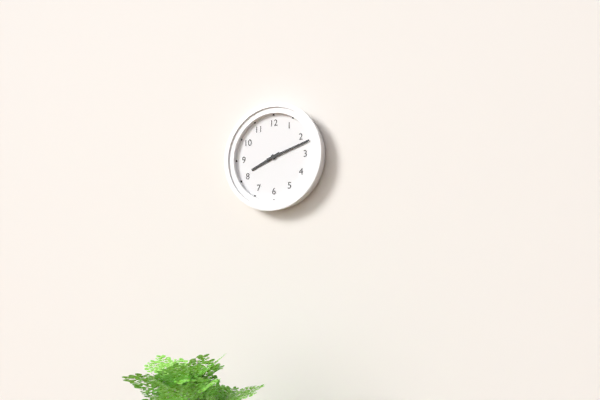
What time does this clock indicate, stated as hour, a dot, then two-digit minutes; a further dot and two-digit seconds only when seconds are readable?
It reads 8.12
